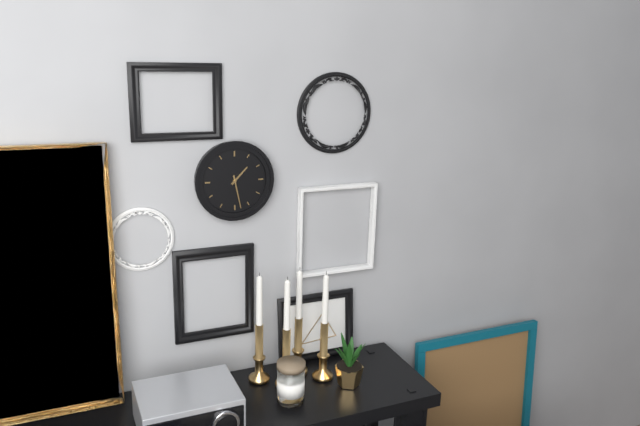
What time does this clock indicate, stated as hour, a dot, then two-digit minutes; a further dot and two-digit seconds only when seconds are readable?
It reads 1.28
